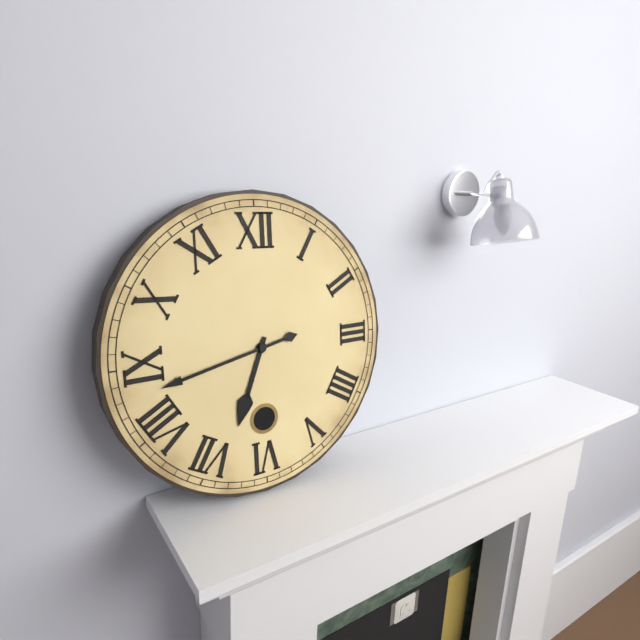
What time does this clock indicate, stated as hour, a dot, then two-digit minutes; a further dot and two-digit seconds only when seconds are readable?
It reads 6.43
